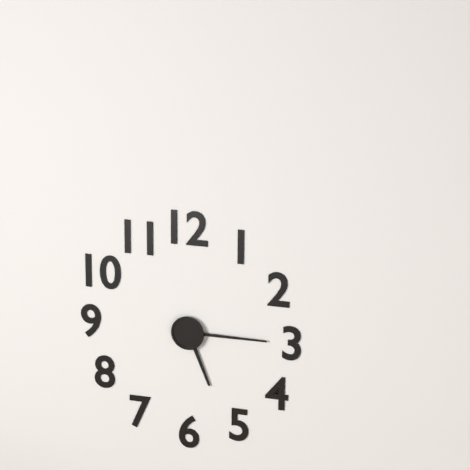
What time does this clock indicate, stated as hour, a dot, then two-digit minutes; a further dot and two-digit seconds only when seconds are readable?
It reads 5.15
